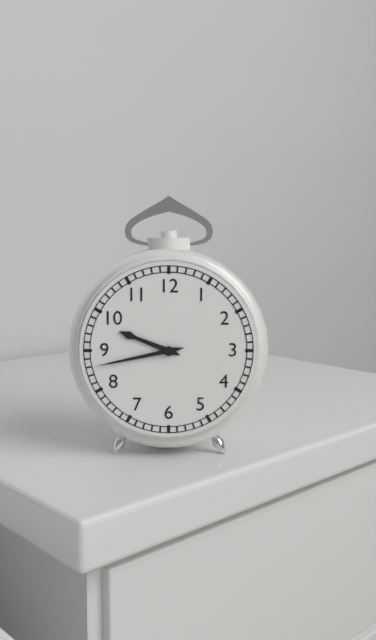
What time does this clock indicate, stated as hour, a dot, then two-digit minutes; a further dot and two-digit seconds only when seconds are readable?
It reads 9.43
